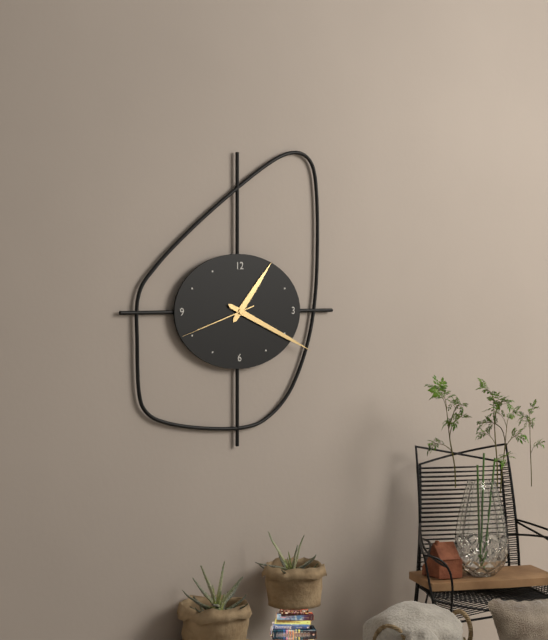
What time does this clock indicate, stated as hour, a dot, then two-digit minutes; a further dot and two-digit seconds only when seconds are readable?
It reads 1.19.42
